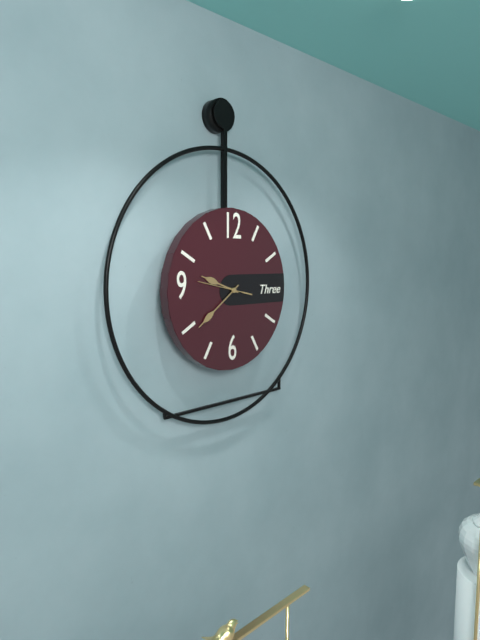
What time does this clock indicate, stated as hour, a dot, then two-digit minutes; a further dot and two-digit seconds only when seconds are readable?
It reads 9.39
